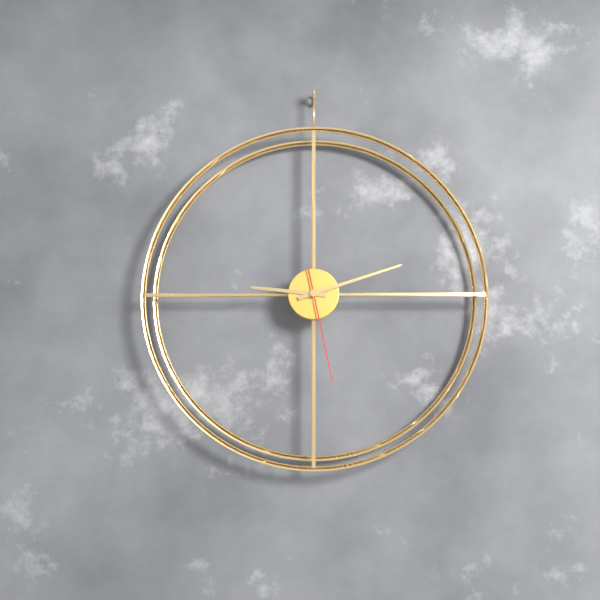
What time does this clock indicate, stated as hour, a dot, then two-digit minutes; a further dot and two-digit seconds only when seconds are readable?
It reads 9.12.28
